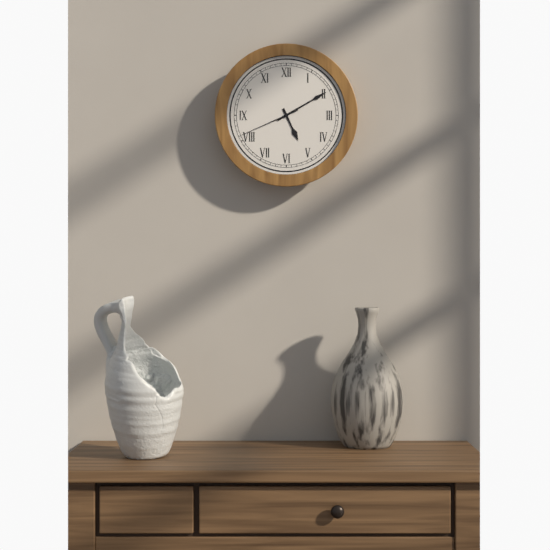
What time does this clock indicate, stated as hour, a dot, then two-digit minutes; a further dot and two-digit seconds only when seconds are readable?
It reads 5.10.41
